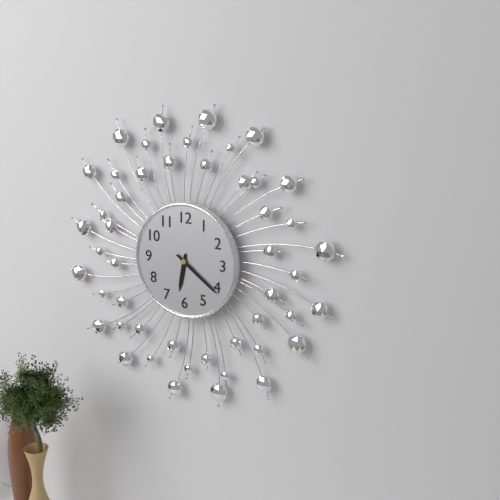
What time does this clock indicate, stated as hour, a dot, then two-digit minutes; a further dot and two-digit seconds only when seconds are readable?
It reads 6.21
